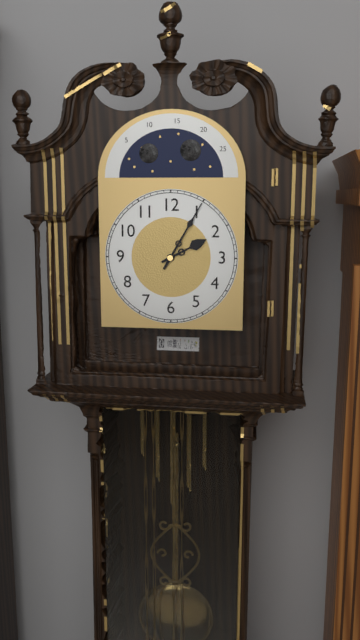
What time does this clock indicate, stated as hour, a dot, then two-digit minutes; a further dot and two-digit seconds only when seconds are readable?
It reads 2.05
